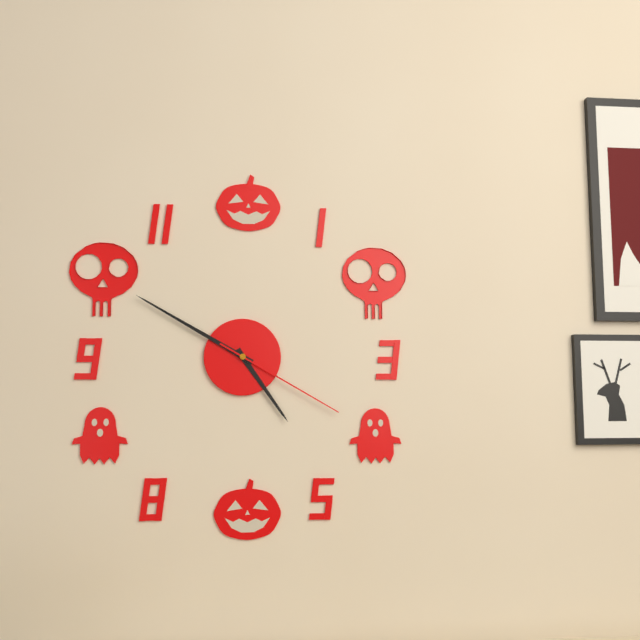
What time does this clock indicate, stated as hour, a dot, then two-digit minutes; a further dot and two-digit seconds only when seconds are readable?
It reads 4.50.20
